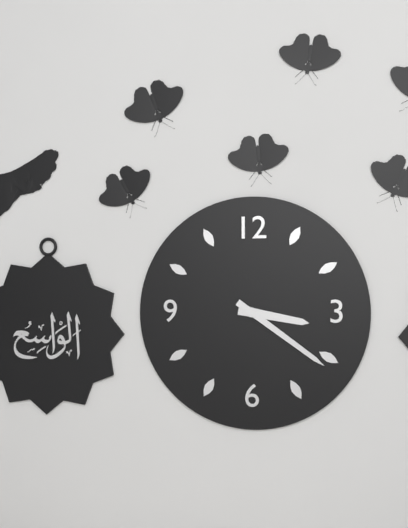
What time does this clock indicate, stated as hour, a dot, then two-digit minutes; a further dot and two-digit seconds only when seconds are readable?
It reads 3.21
